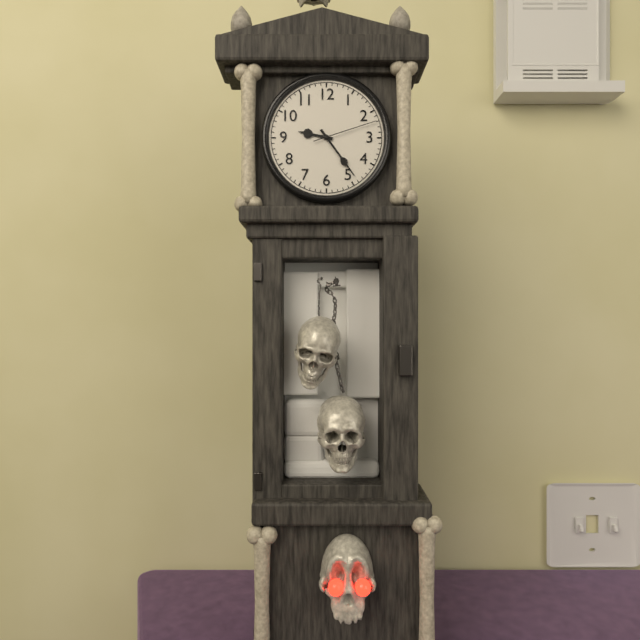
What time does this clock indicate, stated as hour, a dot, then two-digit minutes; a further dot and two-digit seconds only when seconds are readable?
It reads 9.24.12
